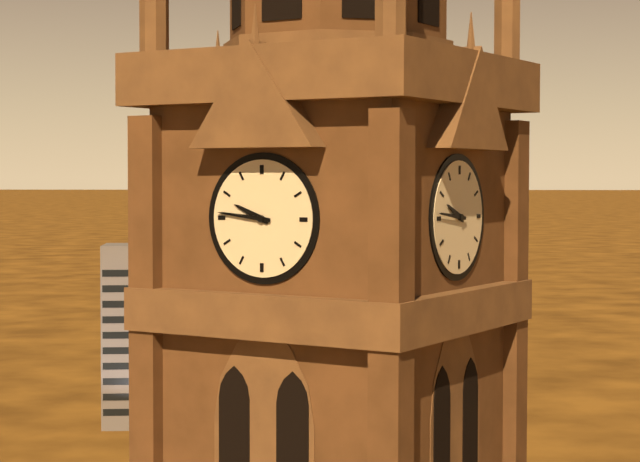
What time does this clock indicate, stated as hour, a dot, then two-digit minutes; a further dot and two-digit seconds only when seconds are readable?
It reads 9.46
